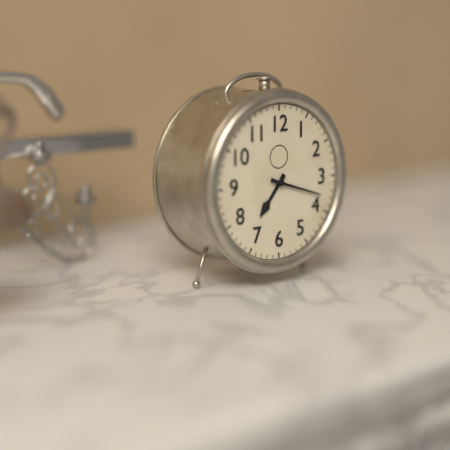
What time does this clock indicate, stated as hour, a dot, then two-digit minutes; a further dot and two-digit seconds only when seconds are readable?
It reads 7.18
